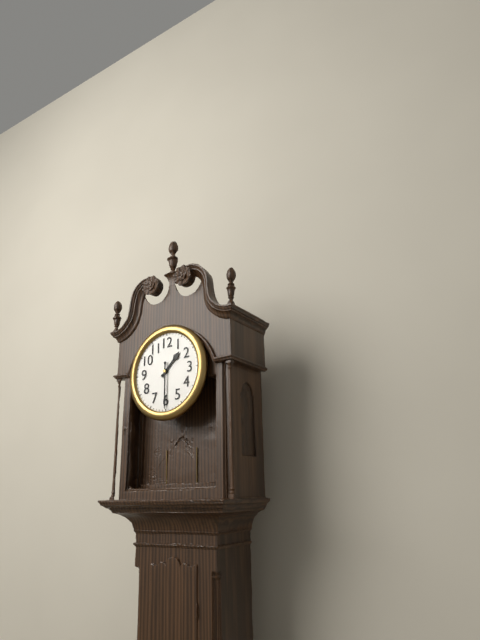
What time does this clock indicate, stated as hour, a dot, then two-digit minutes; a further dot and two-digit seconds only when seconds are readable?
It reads 1.30
